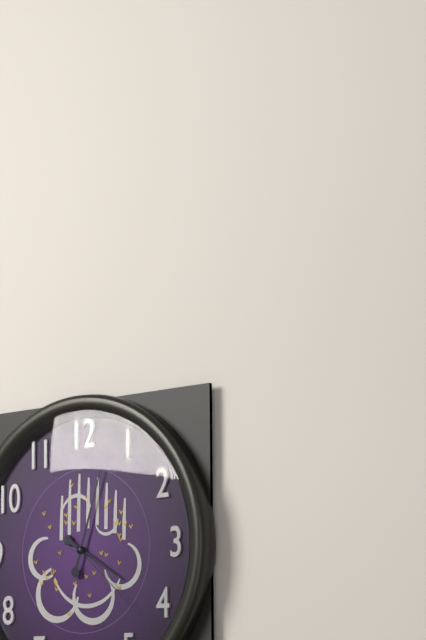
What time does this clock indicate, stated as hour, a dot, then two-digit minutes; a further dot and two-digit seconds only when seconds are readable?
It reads 4.03.22
